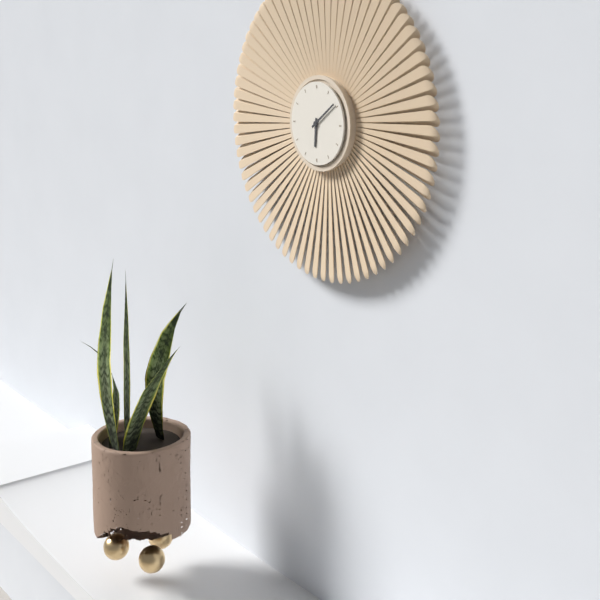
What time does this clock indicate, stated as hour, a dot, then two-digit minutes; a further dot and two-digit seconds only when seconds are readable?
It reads 6.09
